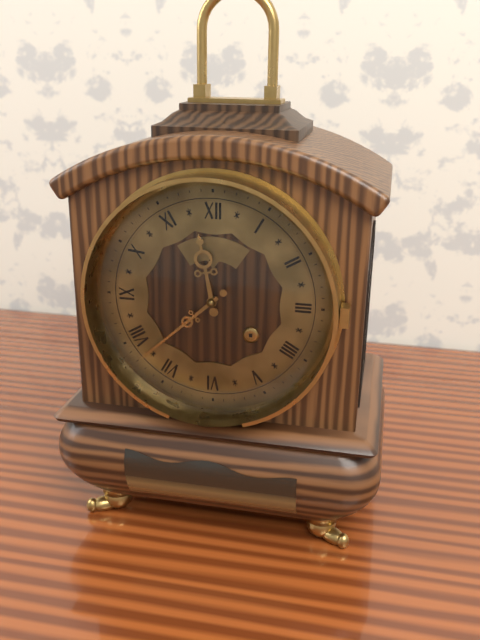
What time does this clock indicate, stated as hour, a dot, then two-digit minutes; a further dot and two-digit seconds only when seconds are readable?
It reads 11.38
